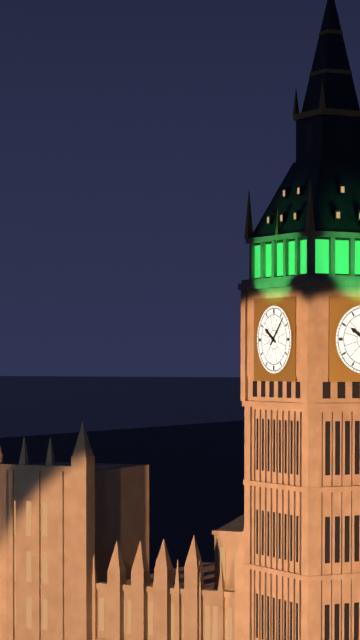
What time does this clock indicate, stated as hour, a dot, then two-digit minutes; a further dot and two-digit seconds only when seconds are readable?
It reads 10.07
